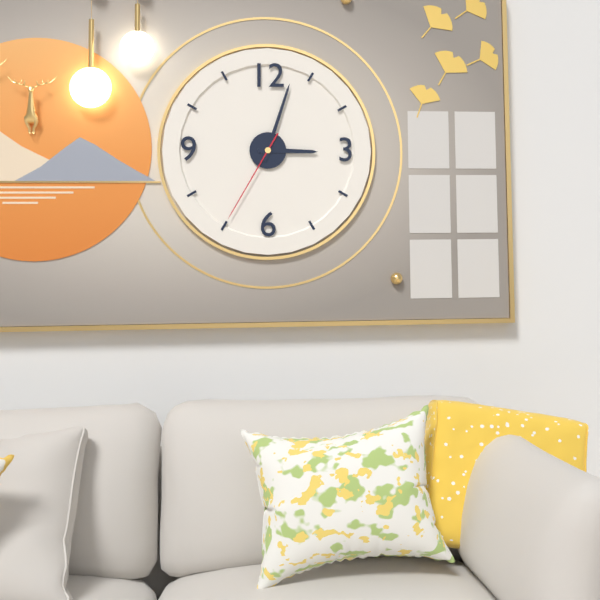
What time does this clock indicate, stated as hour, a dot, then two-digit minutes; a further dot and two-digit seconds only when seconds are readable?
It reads 3.03.35
